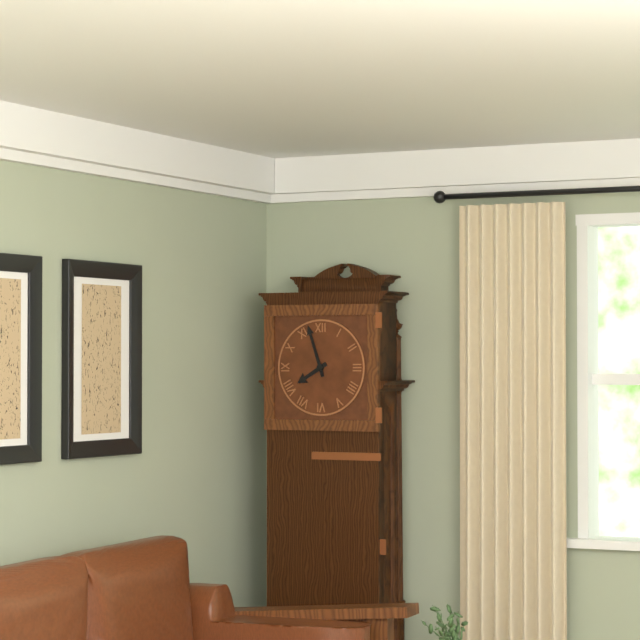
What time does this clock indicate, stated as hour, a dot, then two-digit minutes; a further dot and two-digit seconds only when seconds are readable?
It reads 7.57
